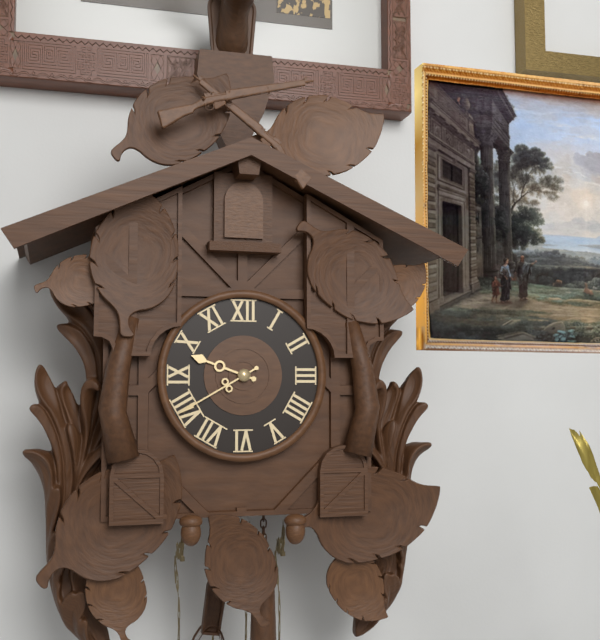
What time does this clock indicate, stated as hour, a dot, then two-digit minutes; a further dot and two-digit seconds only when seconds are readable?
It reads 9.40
